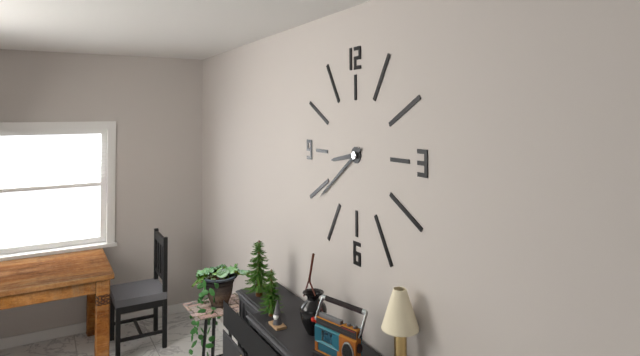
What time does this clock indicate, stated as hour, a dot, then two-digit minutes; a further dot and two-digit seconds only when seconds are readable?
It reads 8.39
